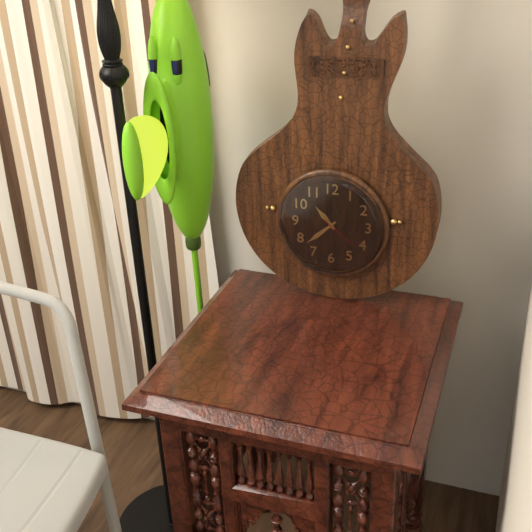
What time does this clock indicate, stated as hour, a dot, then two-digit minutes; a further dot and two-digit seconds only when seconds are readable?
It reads 10.38
